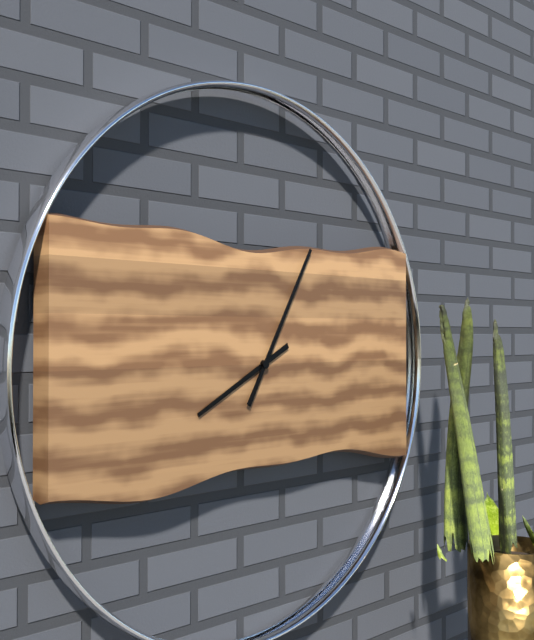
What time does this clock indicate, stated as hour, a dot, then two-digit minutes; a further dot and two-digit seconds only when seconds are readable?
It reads 8.05
